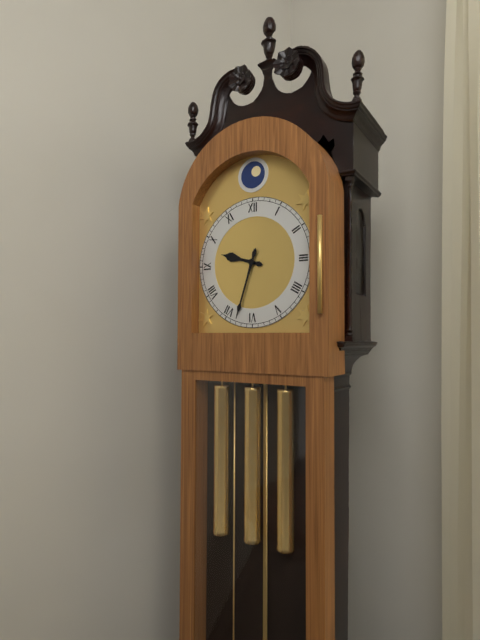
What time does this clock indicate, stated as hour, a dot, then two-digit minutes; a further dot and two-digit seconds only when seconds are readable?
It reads 9.33
